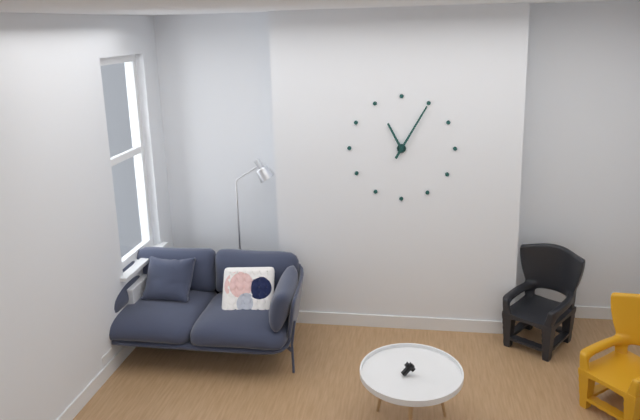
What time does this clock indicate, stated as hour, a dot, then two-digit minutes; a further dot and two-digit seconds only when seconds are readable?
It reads 11.05
